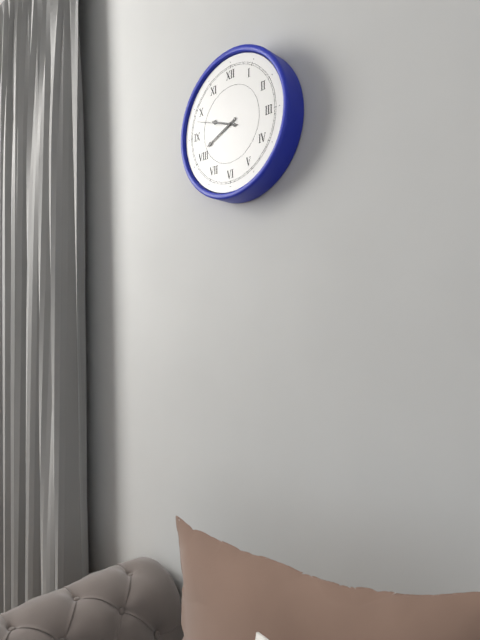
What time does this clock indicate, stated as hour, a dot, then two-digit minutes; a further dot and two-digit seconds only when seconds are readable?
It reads 9.41
